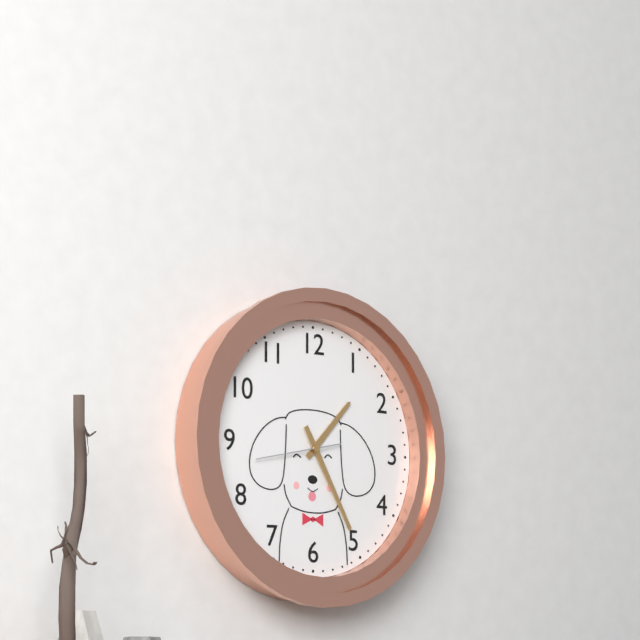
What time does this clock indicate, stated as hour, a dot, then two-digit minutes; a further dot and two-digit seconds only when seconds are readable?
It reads 1.25.43
